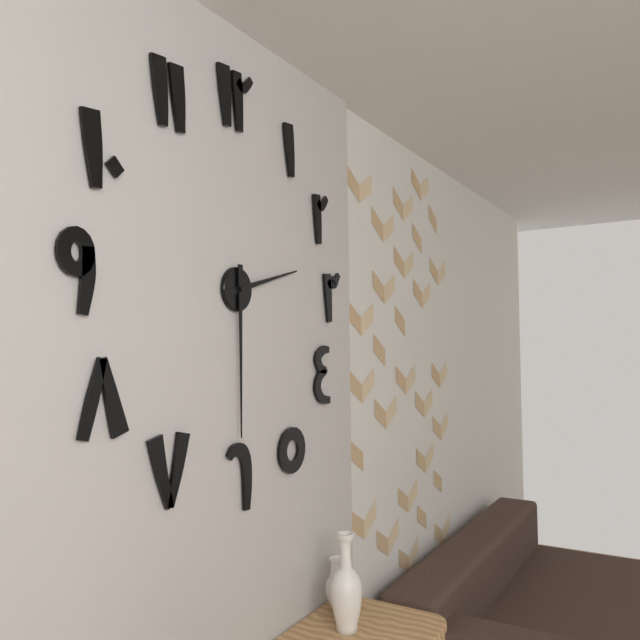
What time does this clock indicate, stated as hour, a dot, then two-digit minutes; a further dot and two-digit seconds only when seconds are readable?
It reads 2.30
